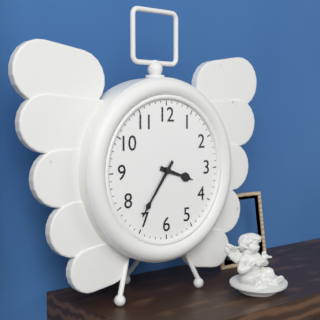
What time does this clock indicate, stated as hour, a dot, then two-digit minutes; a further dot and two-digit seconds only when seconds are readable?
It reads 3.36
